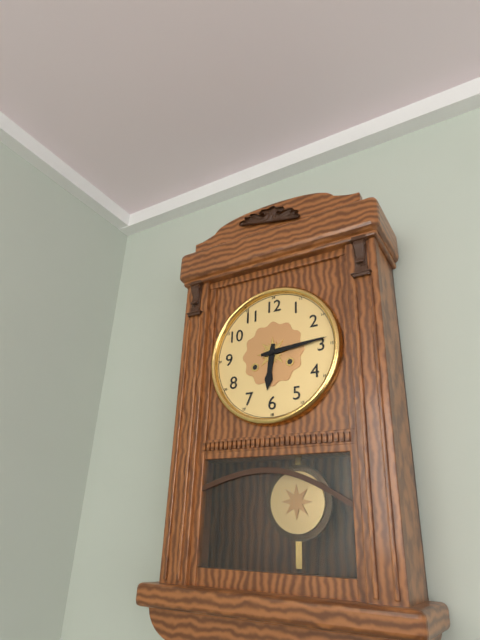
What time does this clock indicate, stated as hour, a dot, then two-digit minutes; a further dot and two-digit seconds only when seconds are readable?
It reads 6.14
